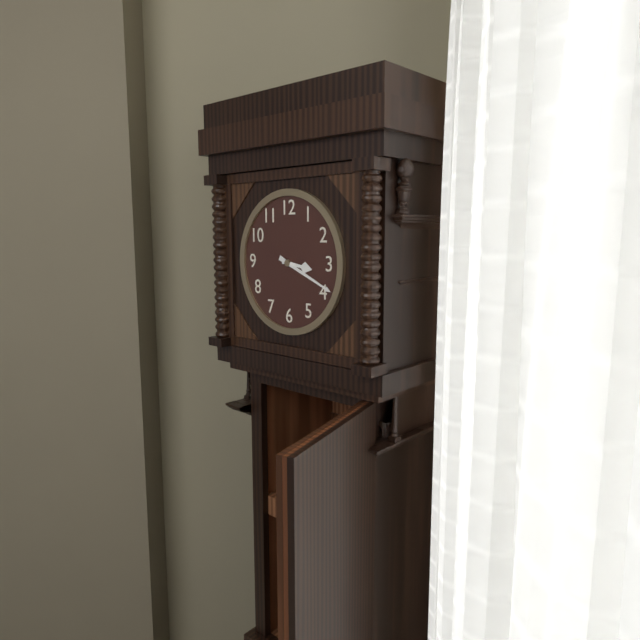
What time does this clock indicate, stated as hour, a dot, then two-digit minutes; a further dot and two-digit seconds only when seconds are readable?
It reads 3.19
